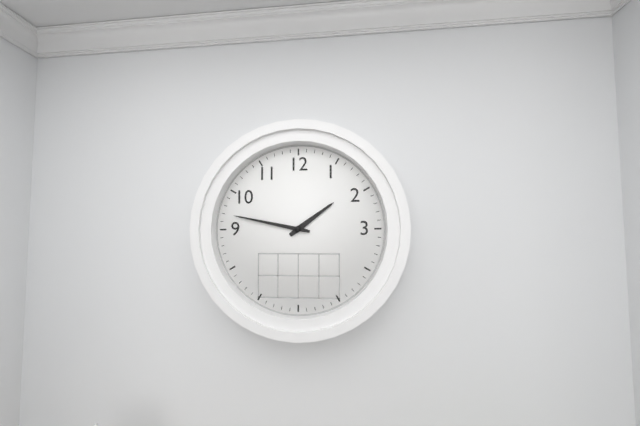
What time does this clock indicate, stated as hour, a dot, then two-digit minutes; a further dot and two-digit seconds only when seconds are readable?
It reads 1.47
